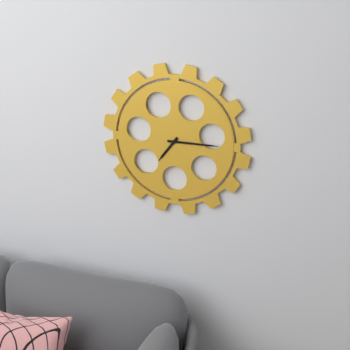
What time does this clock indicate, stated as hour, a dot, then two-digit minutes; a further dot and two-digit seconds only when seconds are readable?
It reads 7.15
